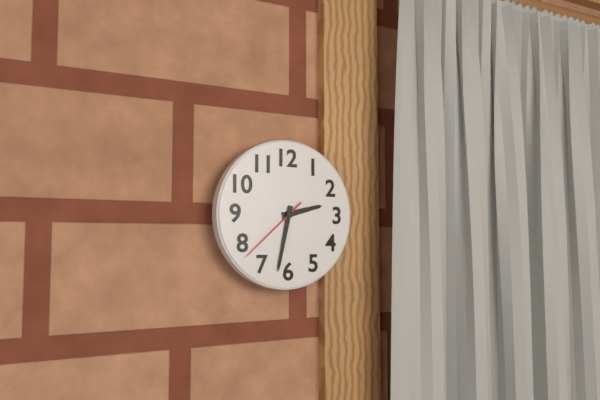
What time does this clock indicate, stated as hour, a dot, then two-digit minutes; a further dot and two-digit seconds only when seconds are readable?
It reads 2.32.38
